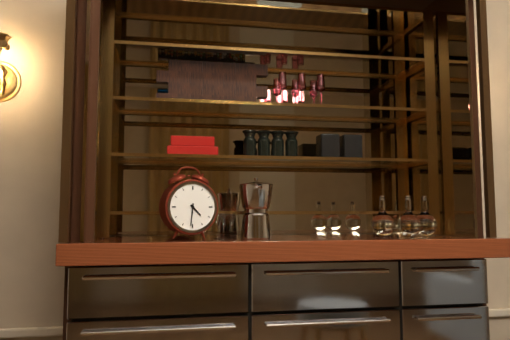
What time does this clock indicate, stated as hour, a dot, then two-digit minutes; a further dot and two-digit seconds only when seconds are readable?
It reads 4.31
